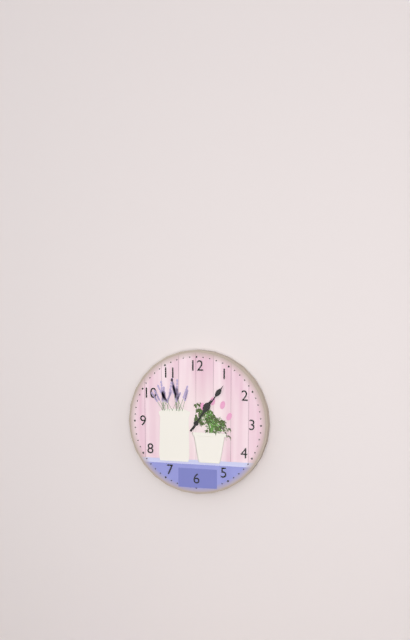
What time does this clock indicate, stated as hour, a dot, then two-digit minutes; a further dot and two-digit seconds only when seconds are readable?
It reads 1.06
